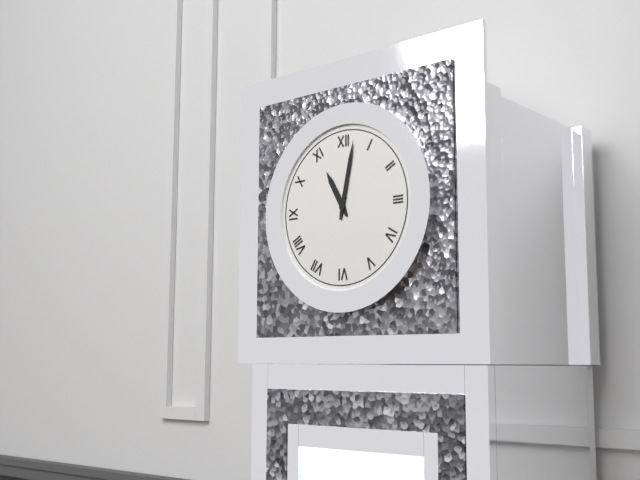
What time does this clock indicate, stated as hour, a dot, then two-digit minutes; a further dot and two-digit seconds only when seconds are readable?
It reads 11.02
